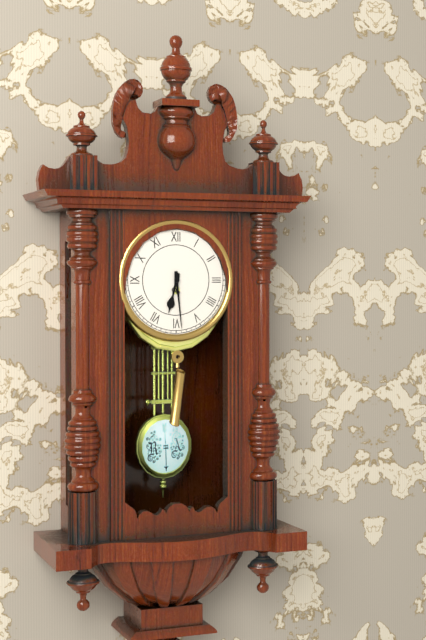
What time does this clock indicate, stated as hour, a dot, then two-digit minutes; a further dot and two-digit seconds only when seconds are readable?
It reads 6.29
